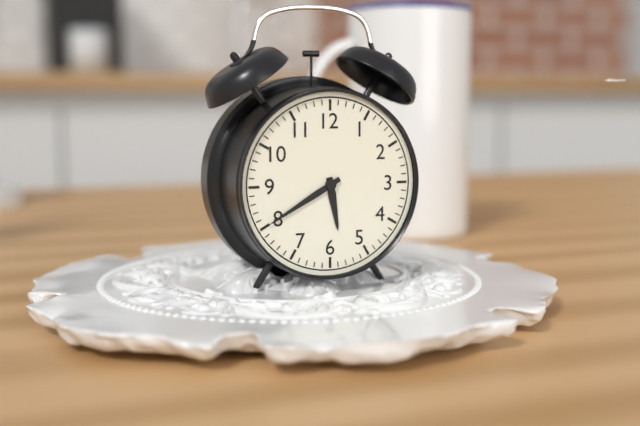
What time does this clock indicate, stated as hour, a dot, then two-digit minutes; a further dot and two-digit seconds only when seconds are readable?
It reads 5.40
